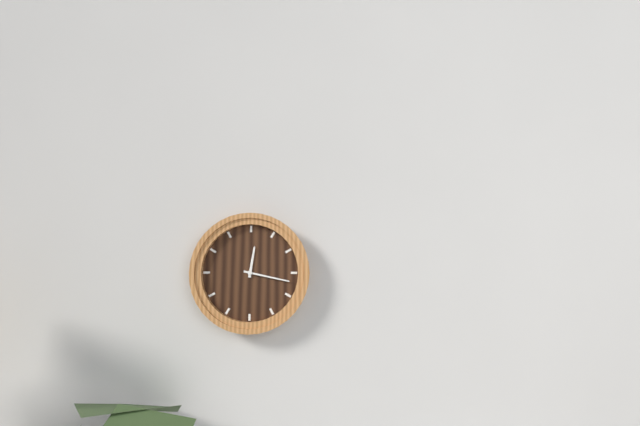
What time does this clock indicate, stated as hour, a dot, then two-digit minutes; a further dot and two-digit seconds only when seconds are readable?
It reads 12.17
